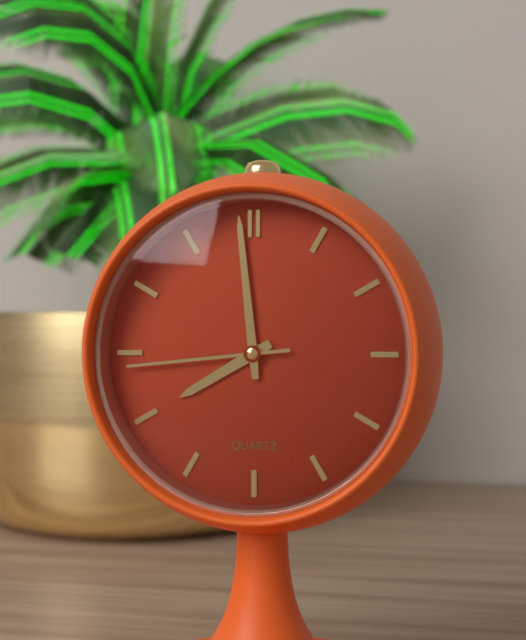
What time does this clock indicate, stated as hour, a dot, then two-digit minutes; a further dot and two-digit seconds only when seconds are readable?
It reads 7.59.44
